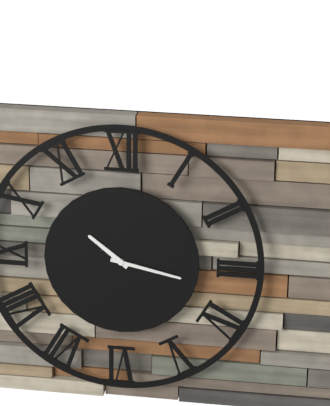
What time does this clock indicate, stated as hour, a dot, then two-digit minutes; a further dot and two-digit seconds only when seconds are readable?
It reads 10.17
